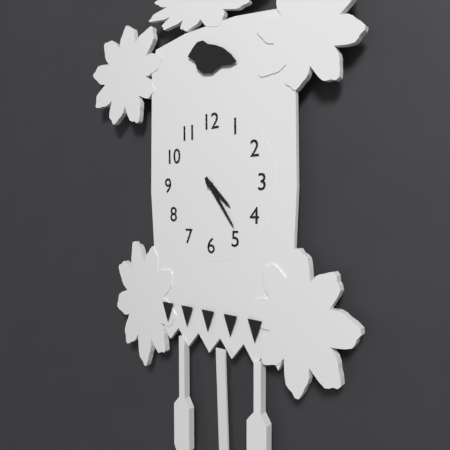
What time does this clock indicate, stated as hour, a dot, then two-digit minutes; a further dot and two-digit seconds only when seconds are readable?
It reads 4.24
